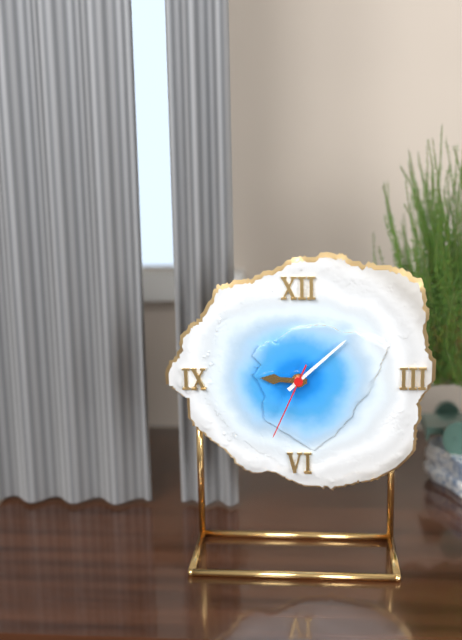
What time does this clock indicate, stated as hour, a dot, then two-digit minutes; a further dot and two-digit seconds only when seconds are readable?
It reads 9.08.34
